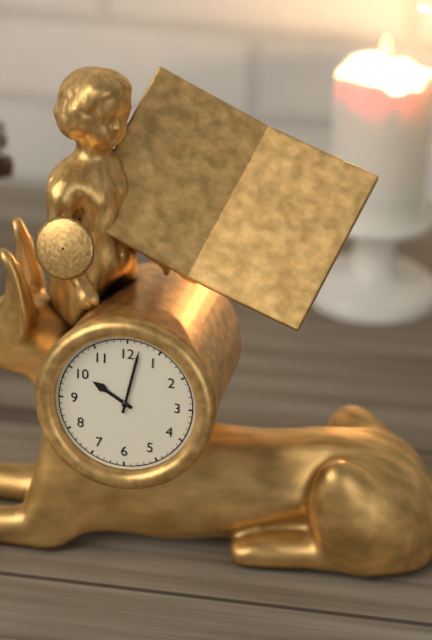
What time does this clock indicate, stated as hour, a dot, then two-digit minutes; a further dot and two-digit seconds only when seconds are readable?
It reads 10.02
